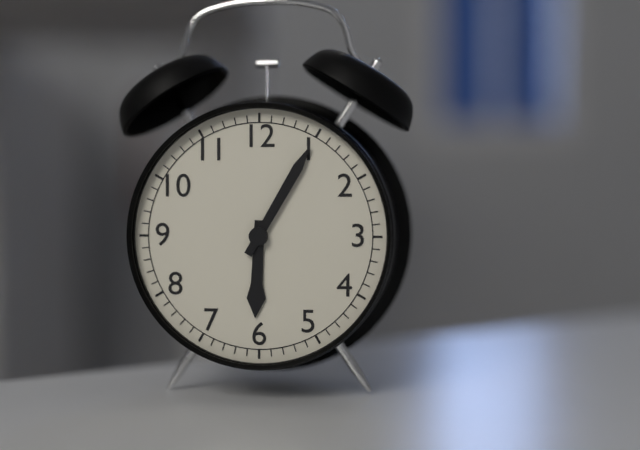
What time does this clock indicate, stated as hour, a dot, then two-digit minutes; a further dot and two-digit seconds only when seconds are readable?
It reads 6.05
